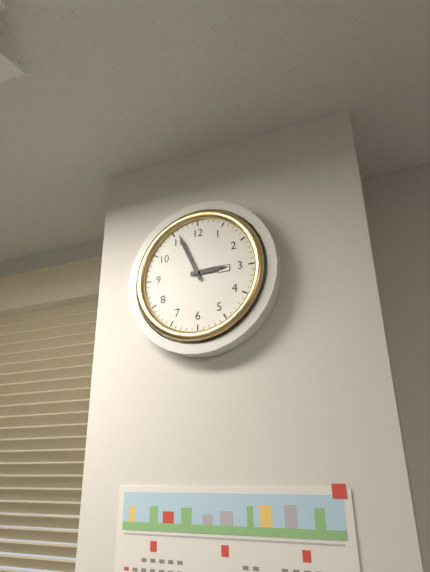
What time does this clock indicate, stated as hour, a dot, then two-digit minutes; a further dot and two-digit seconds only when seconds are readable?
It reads 2.56
